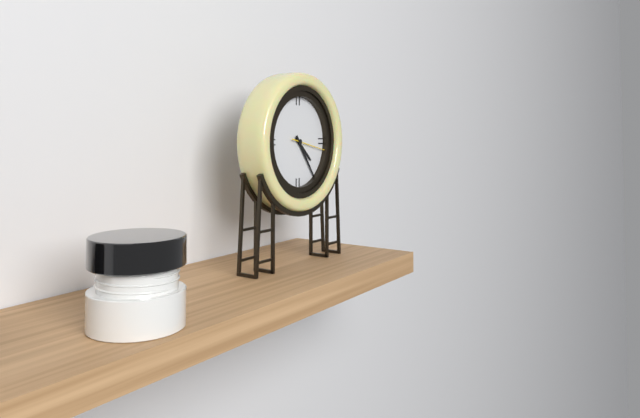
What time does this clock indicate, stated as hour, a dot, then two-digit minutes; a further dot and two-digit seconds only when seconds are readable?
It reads 4.24
